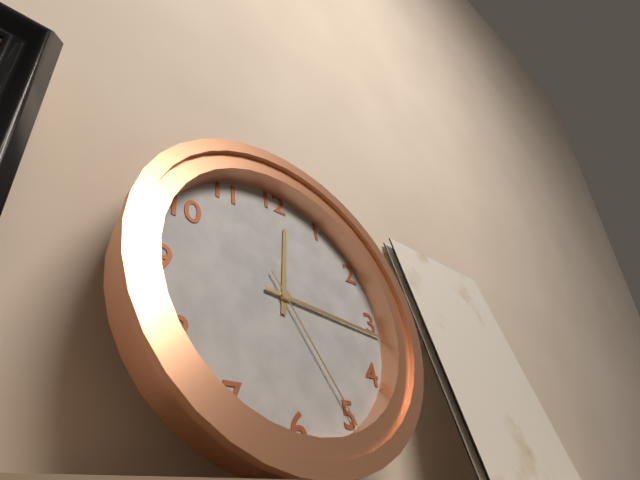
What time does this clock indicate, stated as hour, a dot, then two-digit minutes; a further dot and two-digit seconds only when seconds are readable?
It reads 12.16.25
